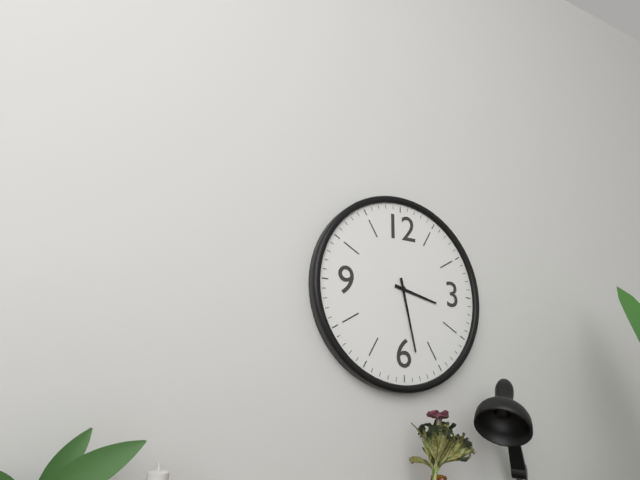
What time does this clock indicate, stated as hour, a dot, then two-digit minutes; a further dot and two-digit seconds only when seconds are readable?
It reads 3.28
